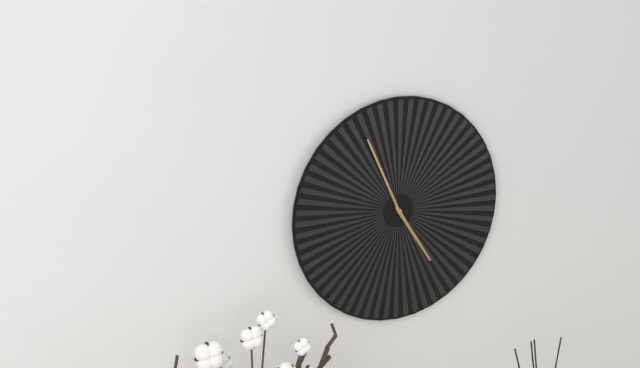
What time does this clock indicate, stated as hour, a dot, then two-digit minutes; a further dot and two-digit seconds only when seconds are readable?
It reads 4.56
